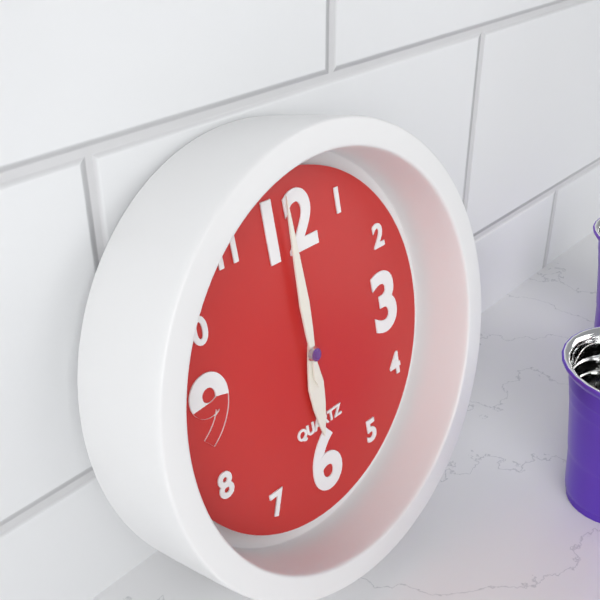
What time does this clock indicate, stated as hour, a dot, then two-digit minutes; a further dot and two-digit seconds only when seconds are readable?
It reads 6.00
